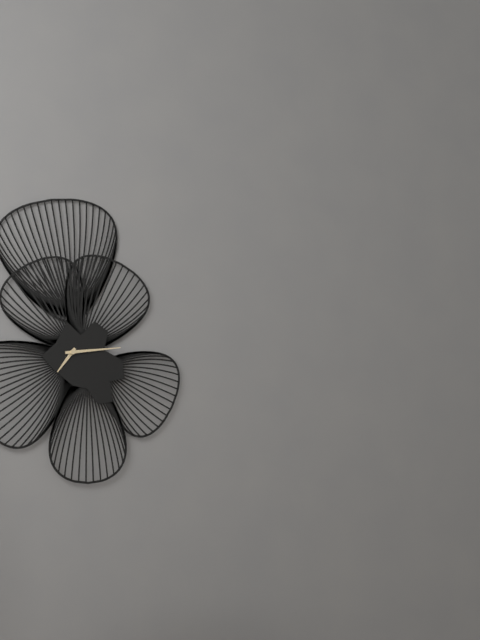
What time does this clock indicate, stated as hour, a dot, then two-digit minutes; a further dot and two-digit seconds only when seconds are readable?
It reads 7.14
